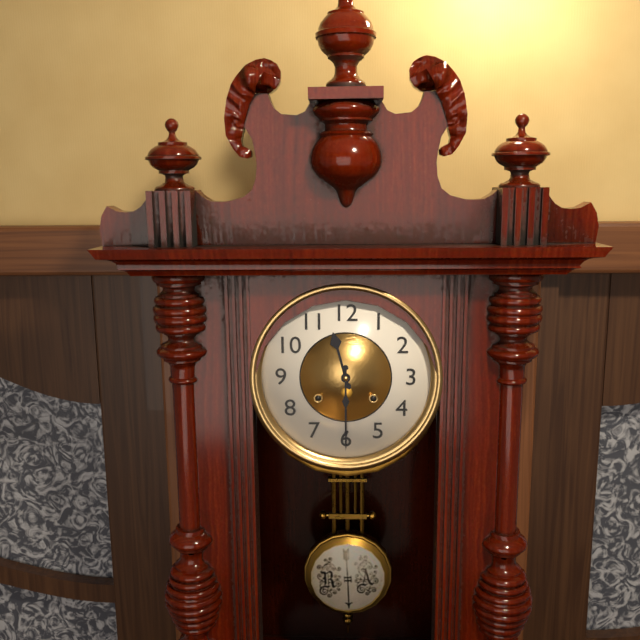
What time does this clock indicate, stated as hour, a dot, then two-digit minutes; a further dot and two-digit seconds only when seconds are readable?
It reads 11.30
